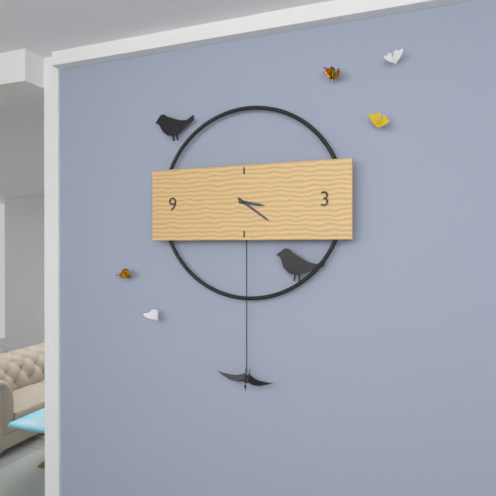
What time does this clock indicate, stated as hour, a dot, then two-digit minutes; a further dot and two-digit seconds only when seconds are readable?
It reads 3.21
